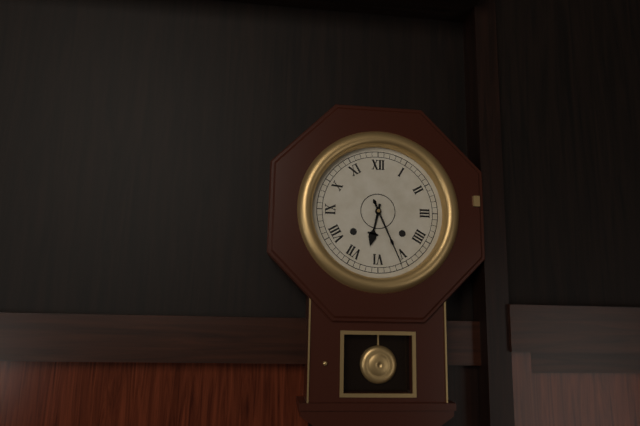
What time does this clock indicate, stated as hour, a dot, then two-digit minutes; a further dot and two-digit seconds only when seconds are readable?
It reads 6.26
